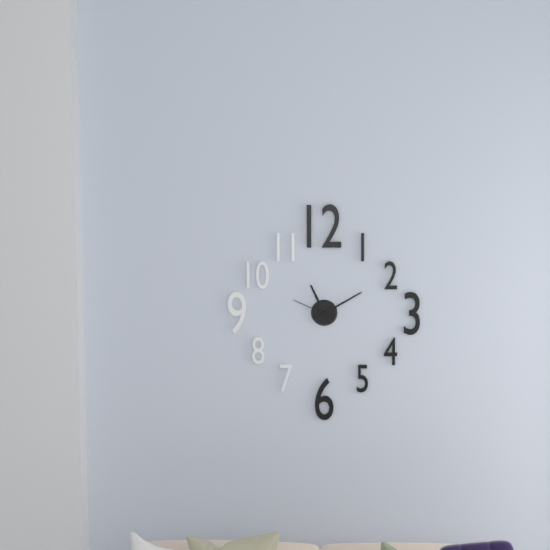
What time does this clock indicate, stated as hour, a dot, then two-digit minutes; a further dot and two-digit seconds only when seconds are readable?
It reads 11.10
